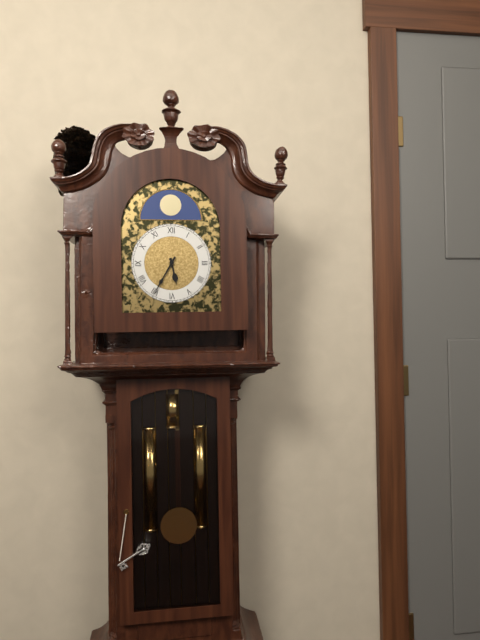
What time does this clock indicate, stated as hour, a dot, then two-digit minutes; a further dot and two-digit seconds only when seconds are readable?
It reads 5.35
